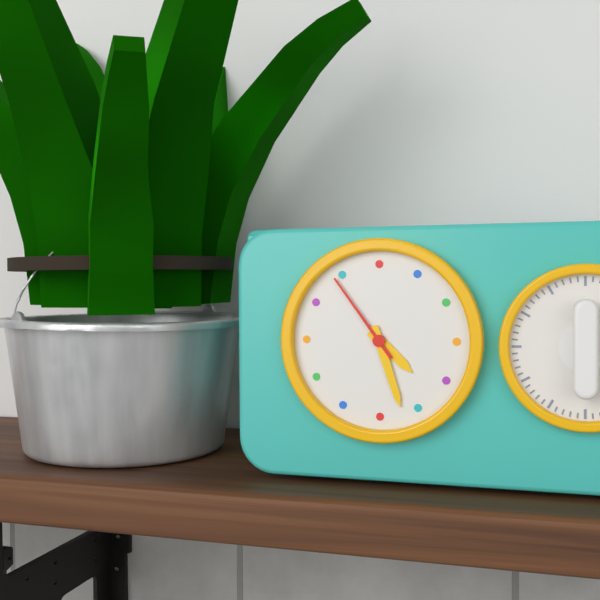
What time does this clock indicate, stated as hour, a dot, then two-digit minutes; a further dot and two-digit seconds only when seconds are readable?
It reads 4.27.54
